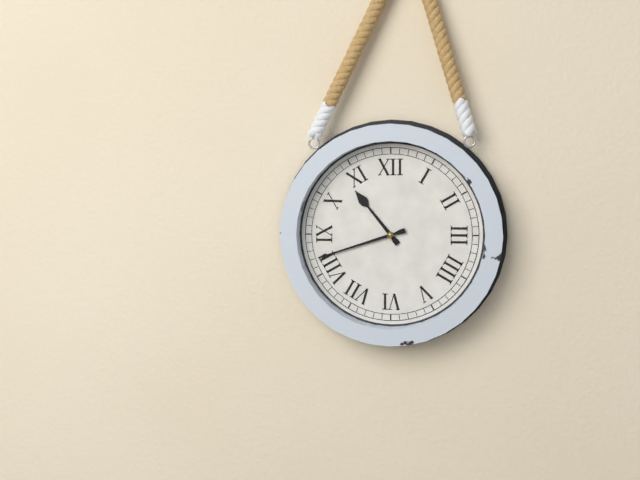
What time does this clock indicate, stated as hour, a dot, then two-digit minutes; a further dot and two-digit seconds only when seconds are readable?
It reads 10.42
